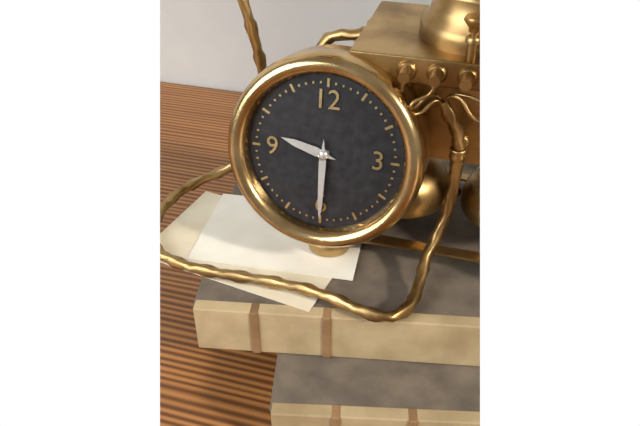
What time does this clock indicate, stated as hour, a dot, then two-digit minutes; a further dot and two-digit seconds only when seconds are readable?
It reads 9.30
